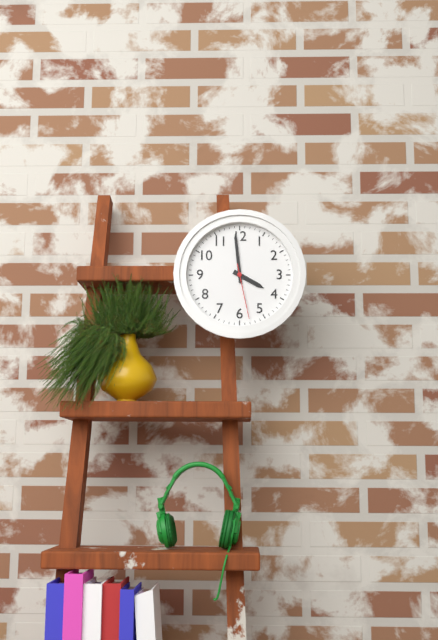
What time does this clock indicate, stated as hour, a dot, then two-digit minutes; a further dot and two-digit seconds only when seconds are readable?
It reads 3.59.28
